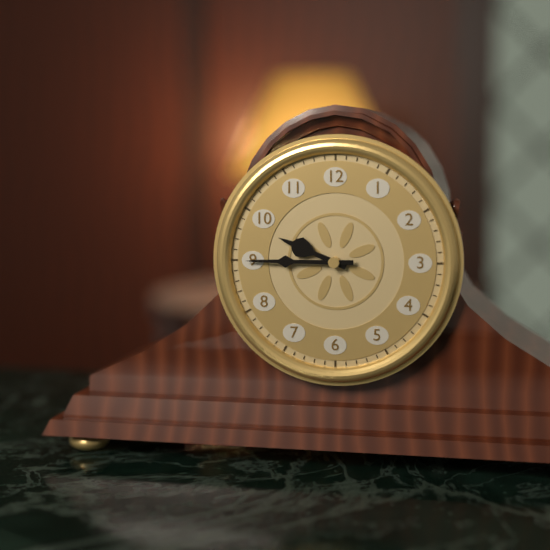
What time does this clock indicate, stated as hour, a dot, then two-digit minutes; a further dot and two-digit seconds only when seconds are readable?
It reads 9.45
